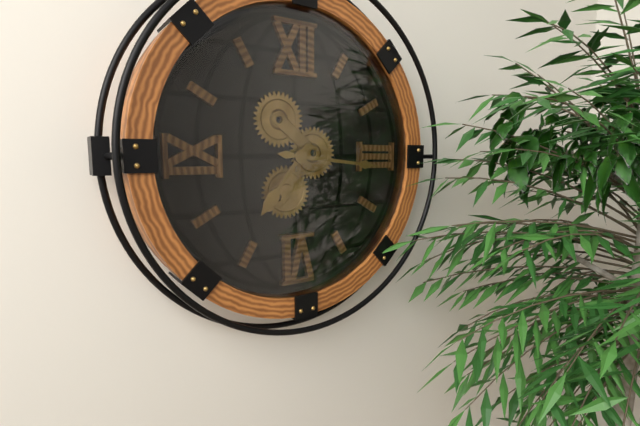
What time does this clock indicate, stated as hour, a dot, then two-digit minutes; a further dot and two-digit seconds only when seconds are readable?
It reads 7.16
